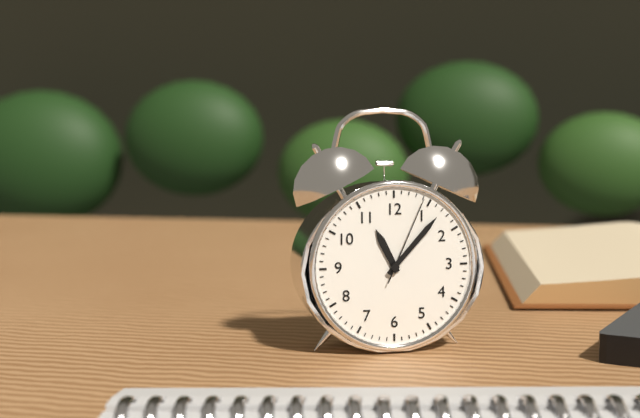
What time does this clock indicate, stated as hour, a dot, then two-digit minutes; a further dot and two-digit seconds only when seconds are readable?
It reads 11.07.04
